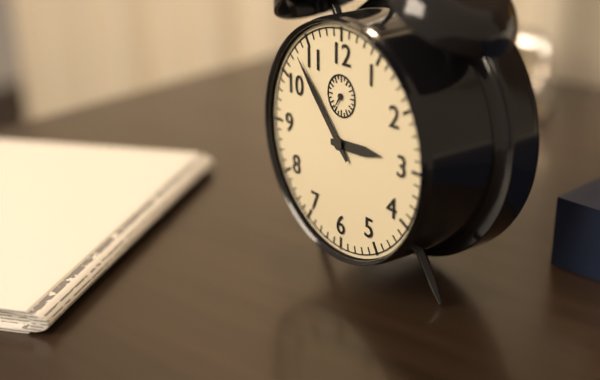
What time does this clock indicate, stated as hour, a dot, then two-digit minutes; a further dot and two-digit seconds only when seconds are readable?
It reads 2.53
